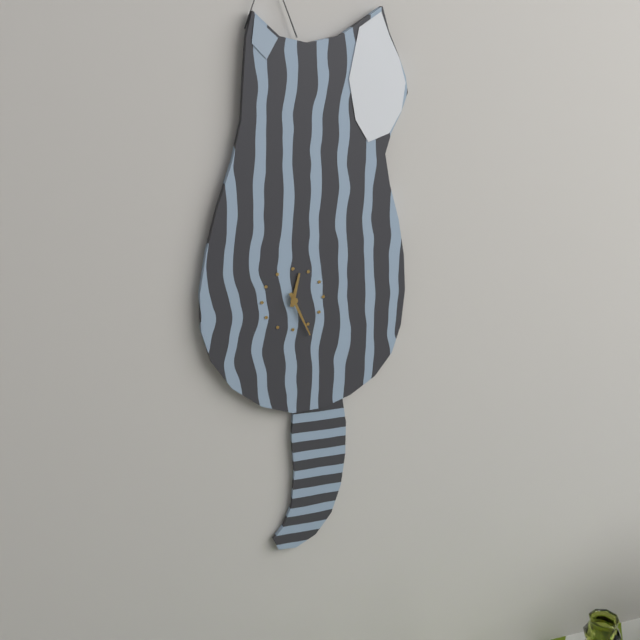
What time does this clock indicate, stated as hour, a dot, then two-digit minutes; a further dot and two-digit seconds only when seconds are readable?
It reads 12.26
